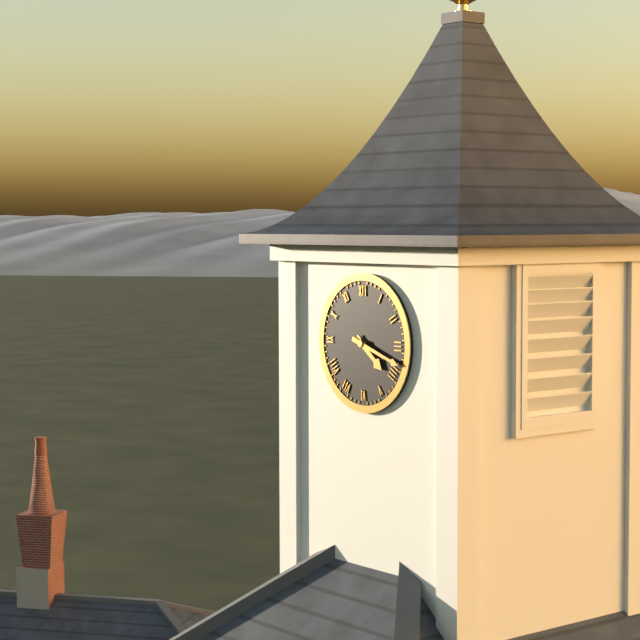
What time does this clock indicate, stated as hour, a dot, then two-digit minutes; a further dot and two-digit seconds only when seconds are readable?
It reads 4.18
